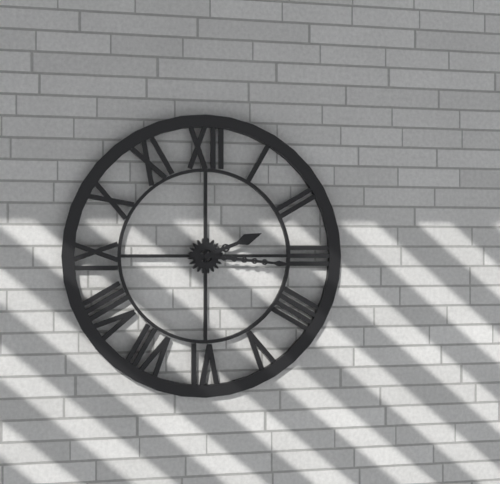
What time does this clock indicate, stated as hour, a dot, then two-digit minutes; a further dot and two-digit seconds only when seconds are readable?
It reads 2.16
